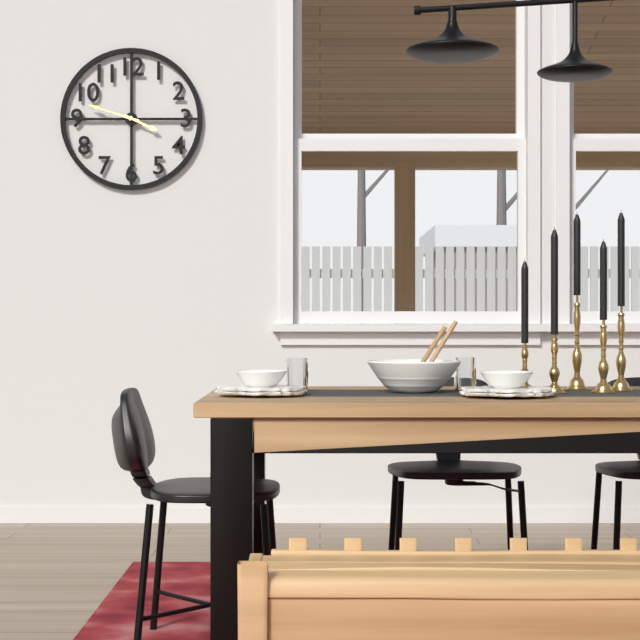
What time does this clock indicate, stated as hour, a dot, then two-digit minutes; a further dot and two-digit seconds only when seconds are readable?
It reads 3.48
